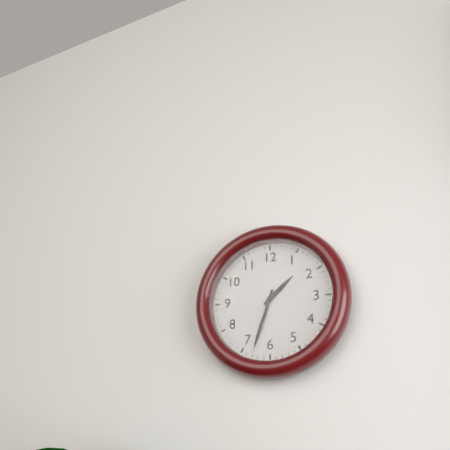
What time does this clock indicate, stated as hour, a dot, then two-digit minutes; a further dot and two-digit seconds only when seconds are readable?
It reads 1.33
